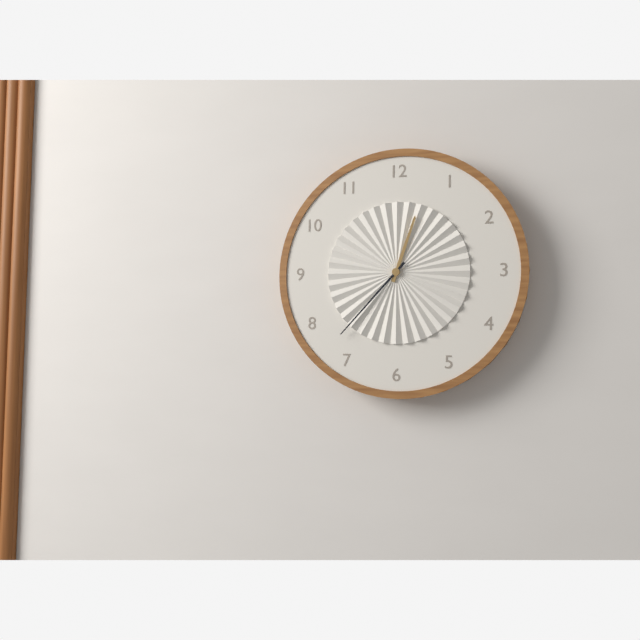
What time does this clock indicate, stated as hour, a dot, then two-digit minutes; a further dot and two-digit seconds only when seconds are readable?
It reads 12.37
